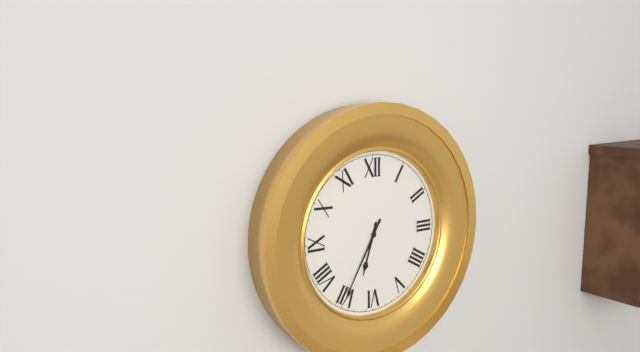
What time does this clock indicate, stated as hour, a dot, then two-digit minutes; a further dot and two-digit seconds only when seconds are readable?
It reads 6.35
